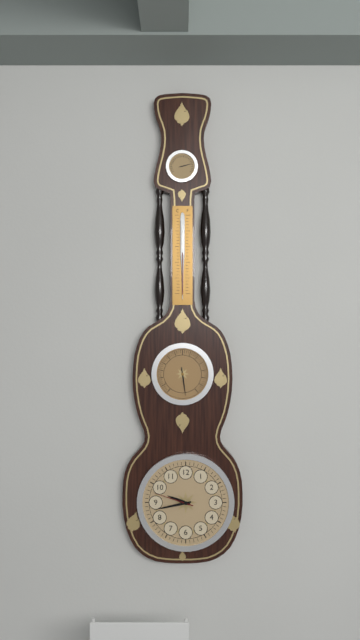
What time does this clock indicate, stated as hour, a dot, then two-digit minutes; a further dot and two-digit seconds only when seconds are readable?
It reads 9.43
